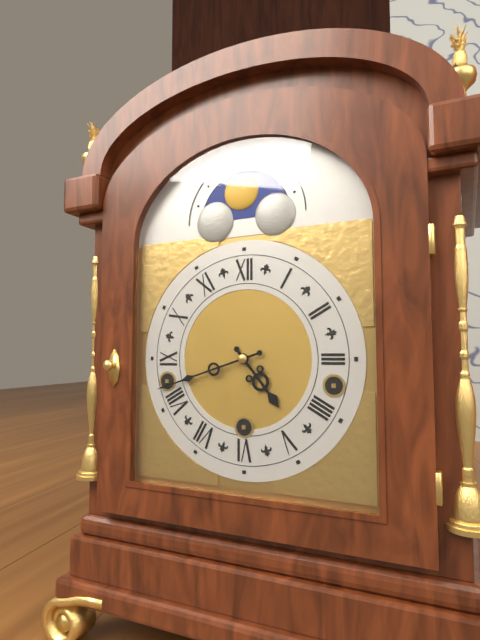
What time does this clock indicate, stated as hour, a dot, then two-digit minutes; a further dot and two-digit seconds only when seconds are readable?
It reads 4.42
